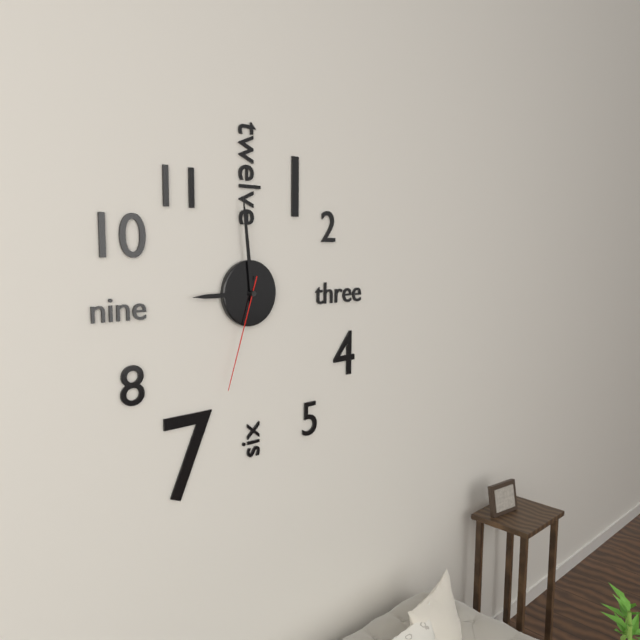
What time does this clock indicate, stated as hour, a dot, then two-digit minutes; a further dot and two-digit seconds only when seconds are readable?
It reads 8.59.33
